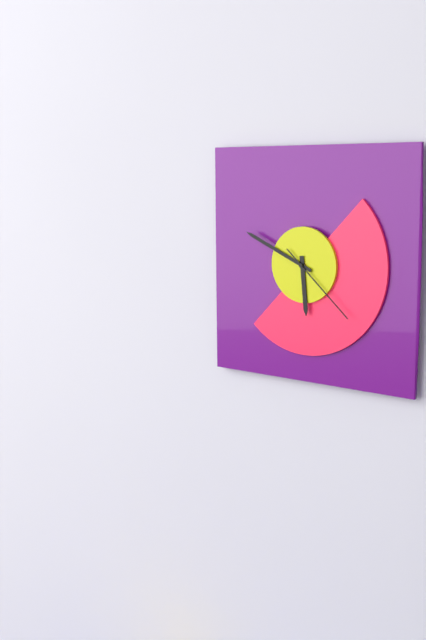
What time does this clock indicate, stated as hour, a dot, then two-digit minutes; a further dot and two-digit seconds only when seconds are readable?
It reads 5.49.22
